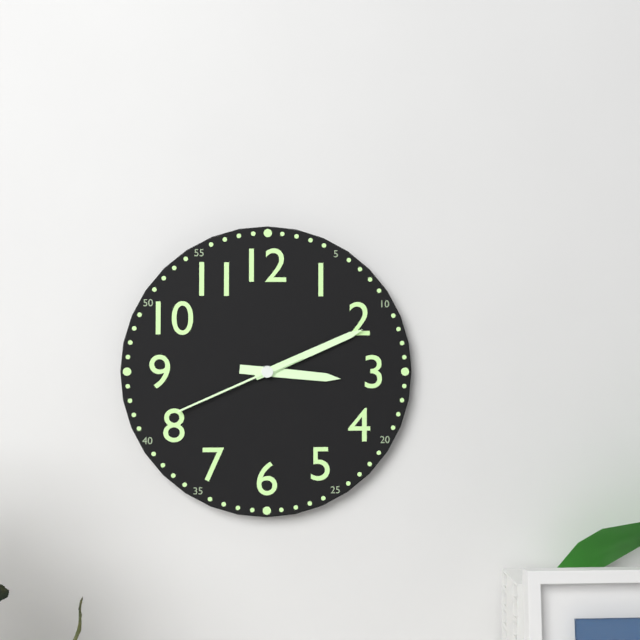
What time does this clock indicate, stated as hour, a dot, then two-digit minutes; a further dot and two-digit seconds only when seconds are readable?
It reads 3.11.41
